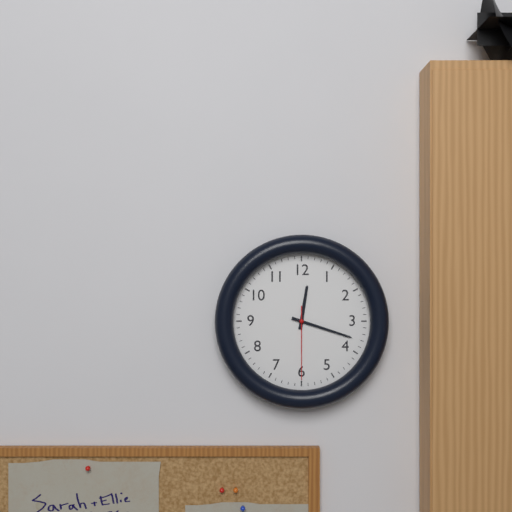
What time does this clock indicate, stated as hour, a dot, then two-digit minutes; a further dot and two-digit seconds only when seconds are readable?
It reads 12.18.30
